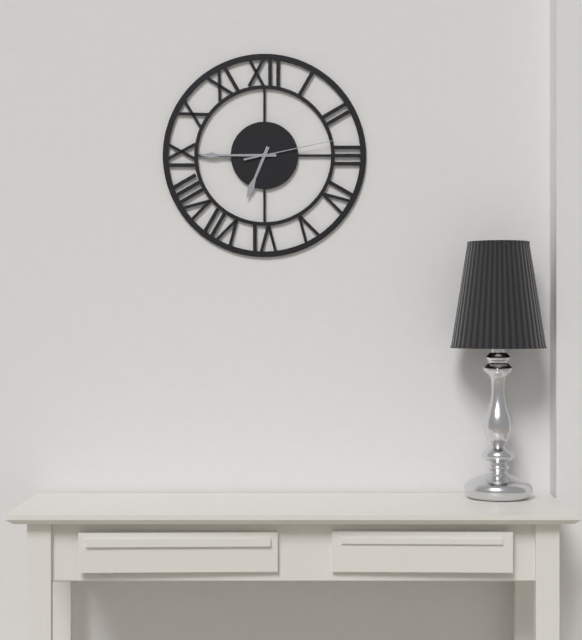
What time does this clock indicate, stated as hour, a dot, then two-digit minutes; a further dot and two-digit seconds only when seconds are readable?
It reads 6.45.13
